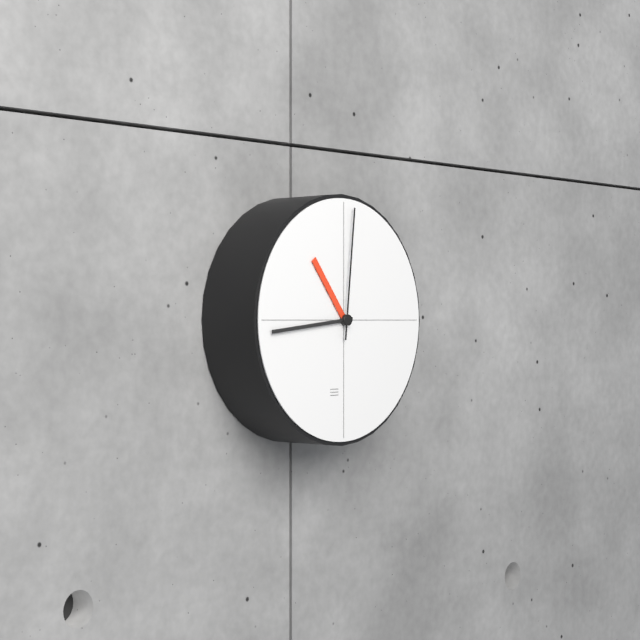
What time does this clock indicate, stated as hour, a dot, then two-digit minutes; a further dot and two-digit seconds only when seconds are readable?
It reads 10.44.01
